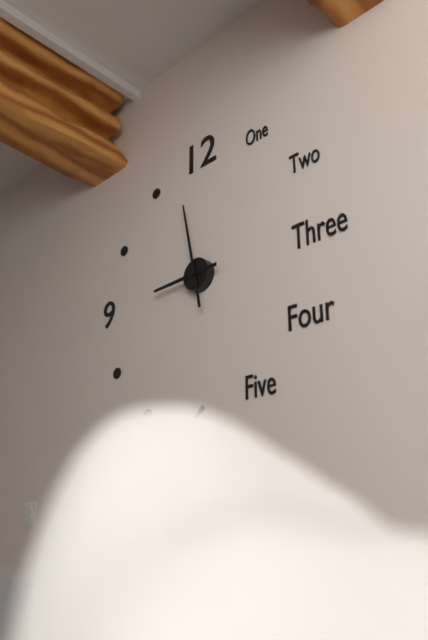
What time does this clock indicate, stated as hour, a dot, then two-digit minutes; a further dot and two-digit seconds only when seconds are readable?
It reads 8.58
